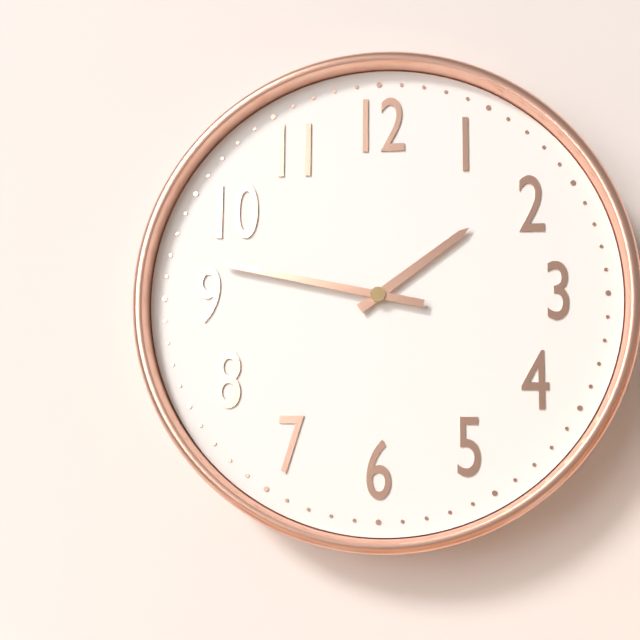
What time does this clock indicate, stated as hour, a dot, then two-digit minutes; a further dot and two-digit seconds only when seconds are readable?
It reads 1.47
